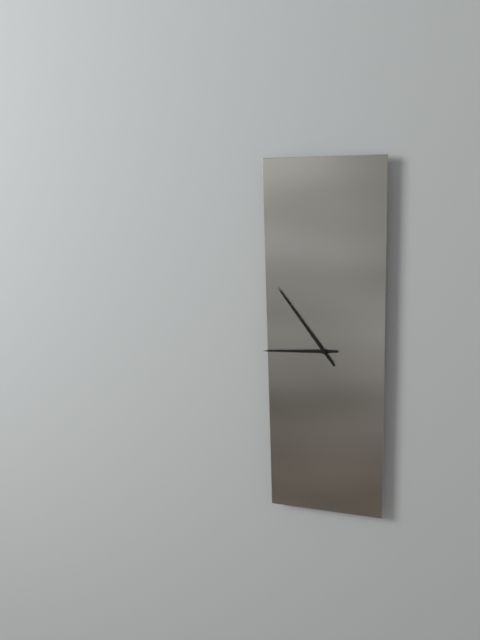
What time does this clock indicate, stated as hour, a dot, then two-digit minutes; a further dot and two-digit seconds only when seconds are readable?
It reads 8.54
